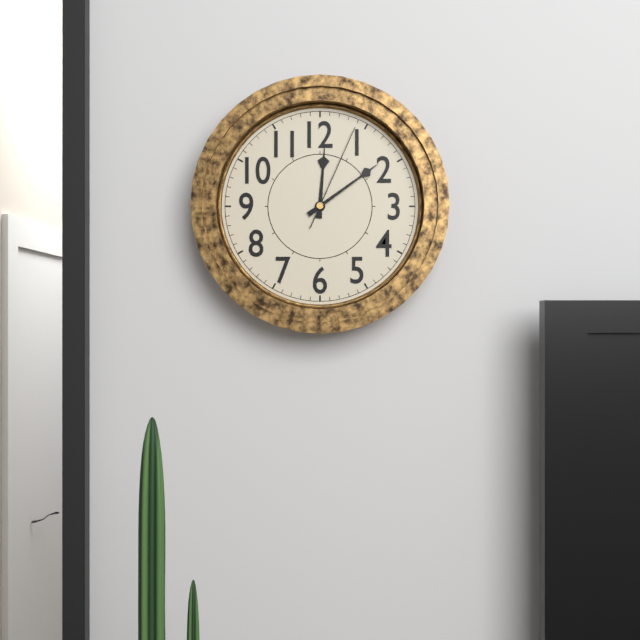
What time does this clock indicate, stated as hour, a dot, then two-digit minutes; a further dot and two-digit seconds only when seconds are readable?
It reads 12.09.04
